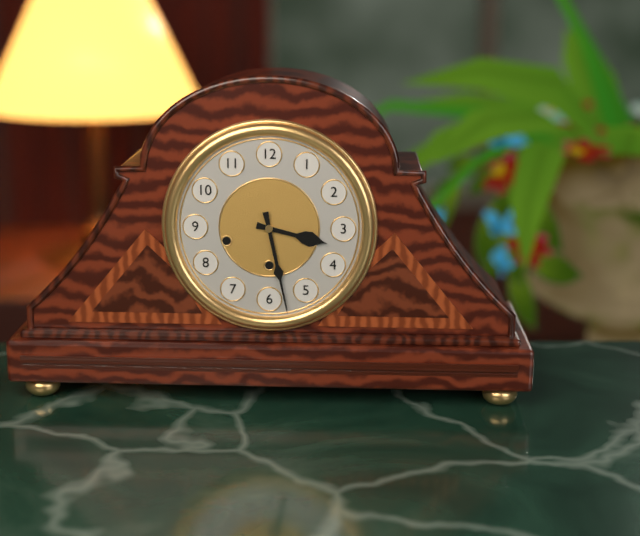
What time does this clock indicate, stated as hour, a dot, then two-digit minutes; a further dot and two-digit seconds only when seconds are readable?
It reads 3.28
